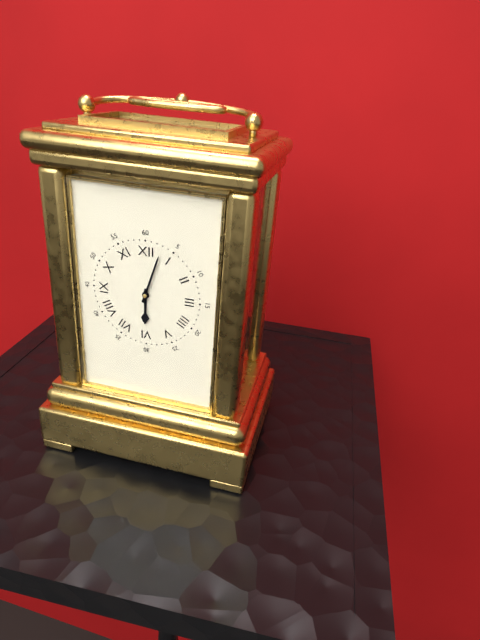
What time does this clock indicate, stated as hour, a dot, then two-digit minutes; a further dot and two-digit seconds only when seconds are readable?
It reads 6.03
